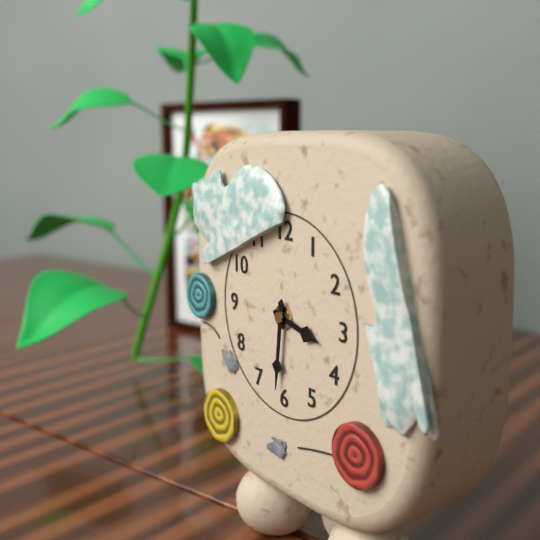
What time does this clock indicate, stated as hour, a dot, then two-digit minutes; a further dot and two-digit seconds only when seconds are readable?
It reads 3.31
